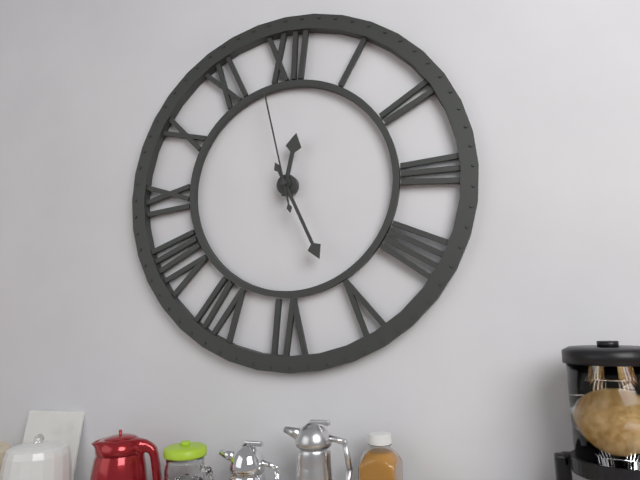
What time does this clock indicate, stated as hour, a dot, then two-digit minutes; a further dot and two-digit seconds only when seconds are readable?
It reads 12.26.58
